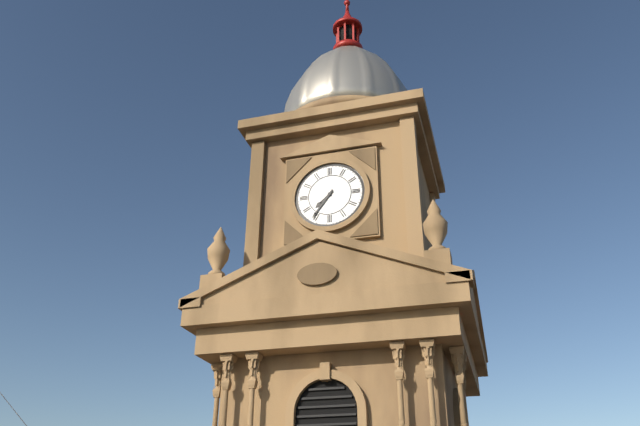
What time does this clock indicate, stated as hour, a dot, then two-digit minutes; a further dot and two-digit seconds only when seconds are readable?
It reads 7.36
